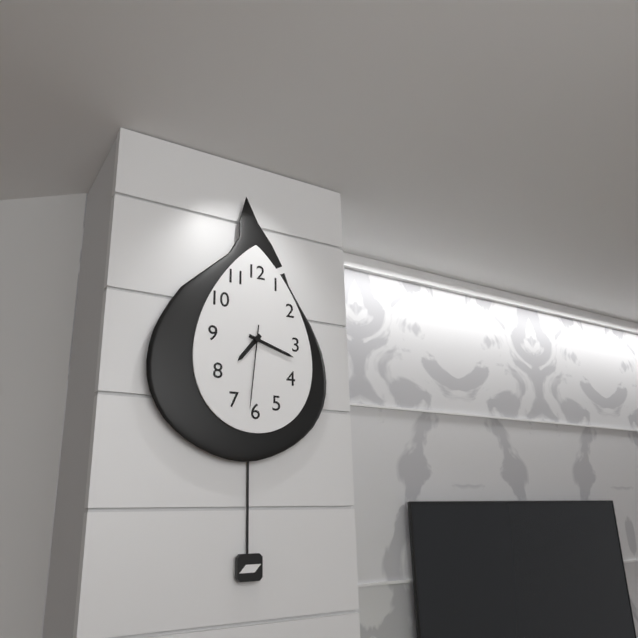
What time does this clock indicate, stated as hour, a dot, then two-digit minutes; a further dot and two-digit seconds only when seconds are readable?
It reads 7.18.31
